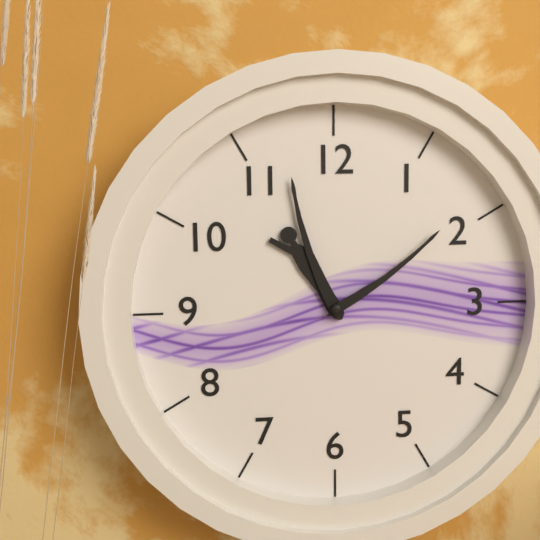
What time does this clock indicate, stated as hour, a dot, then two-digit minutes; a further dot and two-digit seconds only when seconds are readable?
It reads 10.57.09
